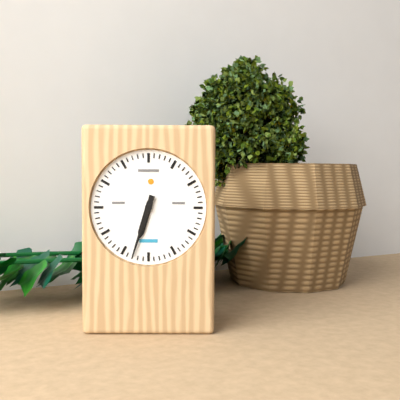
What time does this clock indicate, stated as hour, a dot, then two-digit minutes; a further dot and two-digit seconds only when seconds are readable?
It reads 6.33
